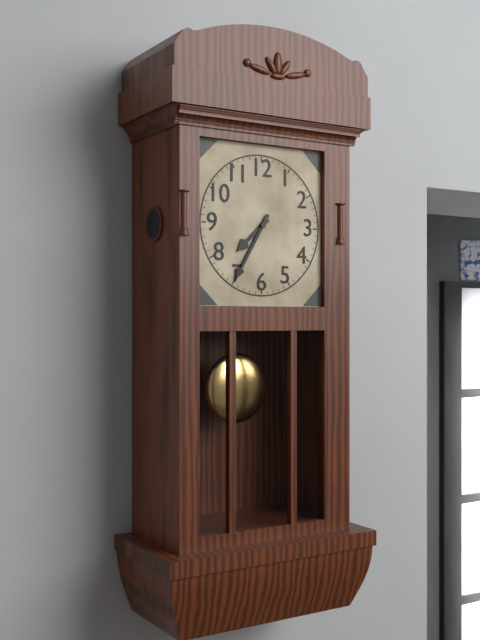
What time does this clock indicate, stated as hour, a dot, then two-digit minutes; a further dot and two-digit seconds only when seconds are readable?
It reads 7.35
